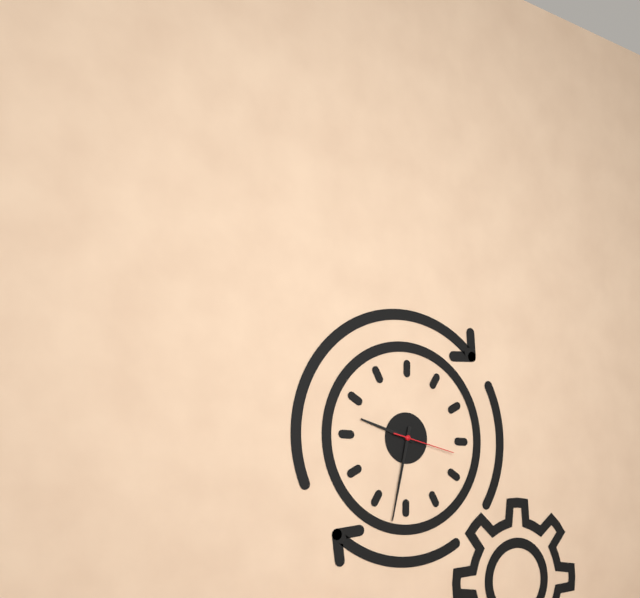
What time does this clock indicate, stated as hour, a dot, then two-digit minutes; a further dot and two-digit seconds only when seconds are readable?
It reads 9.32.17
